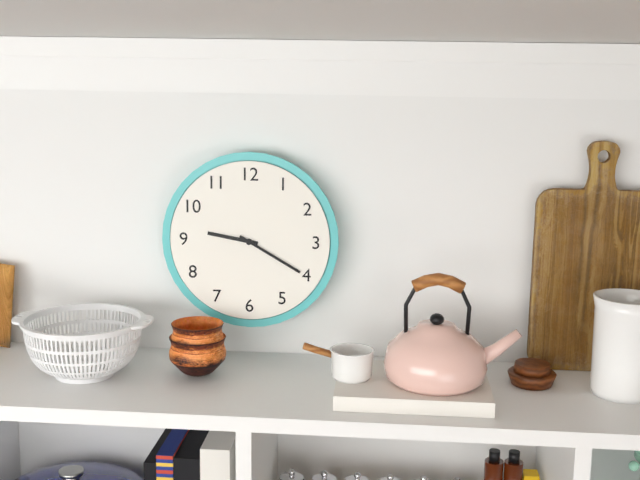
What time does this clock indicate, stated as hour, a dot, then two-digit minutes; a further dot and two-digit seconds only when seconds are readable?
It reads 9.20
